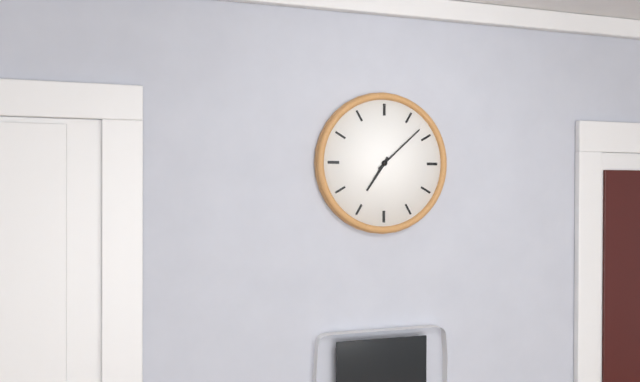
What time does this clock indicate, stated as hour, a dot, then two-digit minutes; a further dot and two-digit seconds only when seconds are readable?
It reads 7.08
